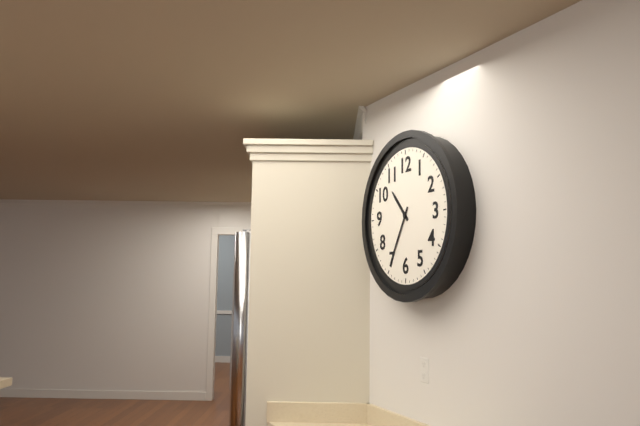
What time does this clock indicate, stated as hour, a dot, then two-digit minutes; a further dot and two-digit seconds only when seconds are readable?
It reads 10.35
